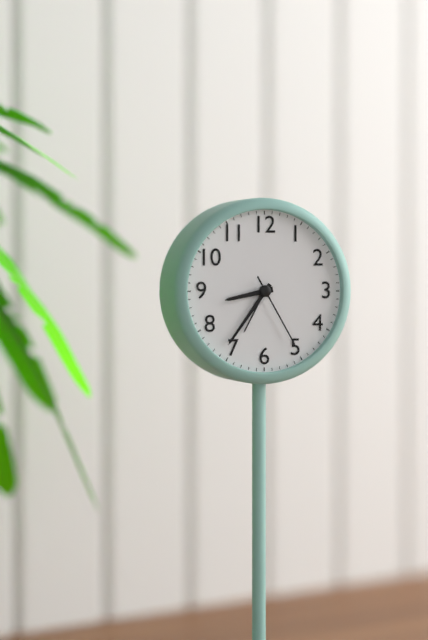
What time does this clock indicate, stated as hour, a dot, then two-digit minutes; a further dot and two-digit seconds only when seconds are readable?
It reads 8.36.25
